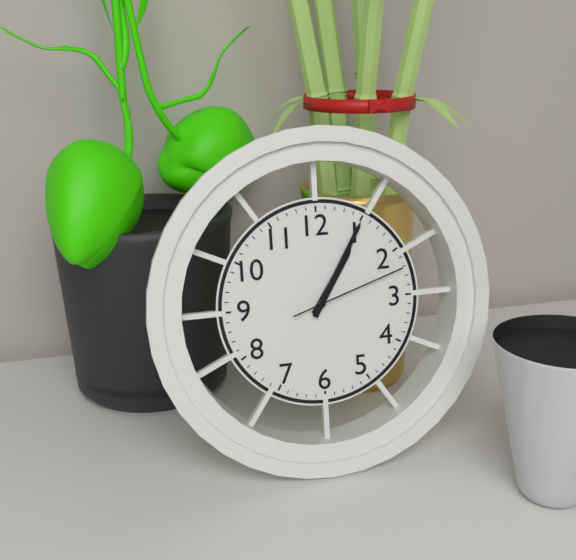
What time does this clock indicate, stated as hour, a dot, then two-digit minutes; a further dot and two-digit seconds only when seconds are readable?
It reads 1.05.12
